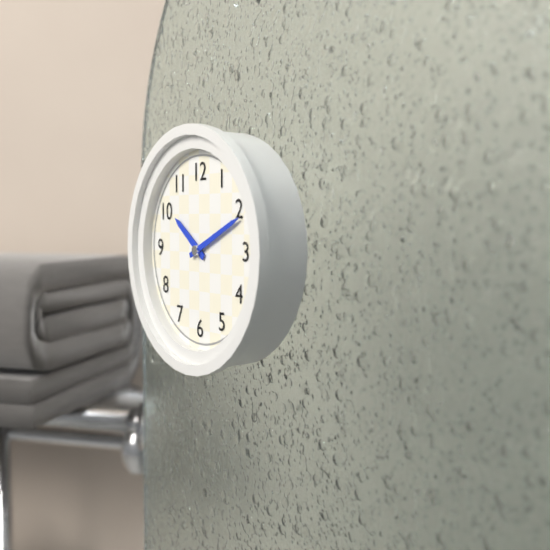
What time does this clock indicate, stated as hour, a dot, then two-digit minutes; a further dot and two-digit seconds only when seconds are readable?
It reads 10.11
